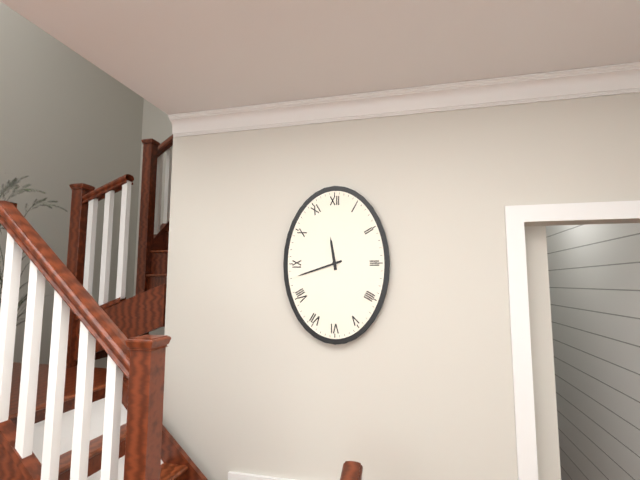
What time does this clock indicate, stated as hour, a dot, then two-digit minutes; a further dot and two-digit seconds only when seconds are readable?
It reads 11.42
